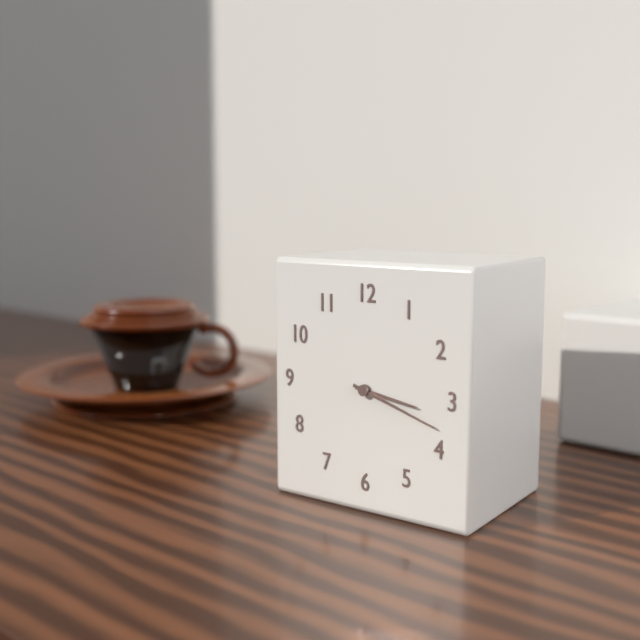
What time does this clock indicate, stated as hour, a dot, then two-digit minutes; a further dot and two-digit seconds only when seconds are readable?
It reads 3.18
